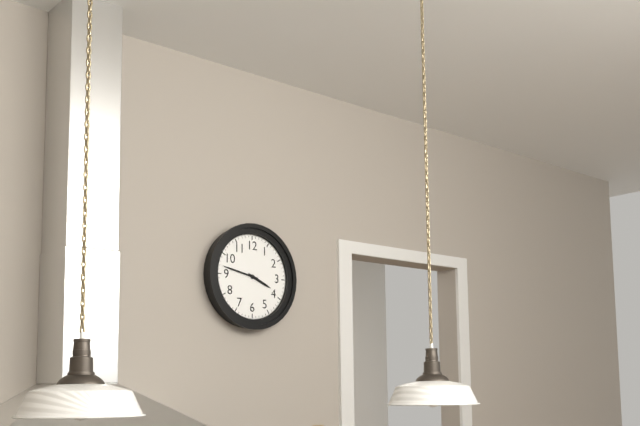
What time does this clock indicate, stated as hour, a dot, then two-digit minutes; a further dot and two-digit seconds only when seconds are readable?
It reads 3.47
